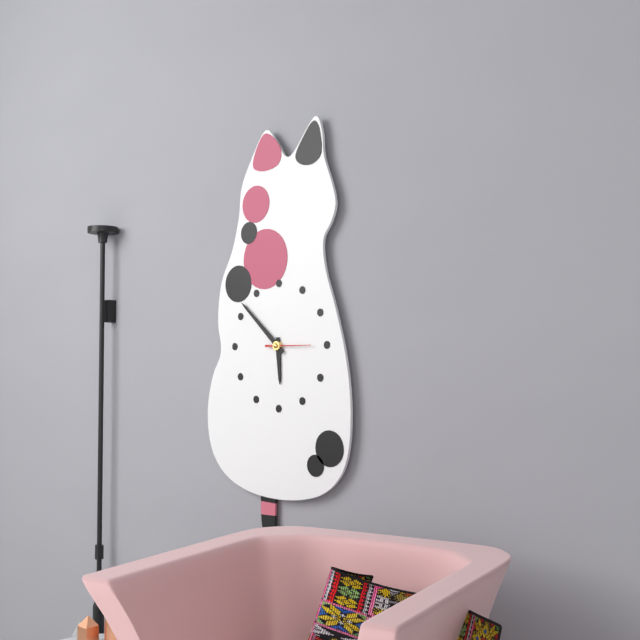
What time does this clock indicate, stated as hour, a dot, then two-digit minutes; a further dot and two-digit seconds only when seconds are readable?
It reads 5.52
